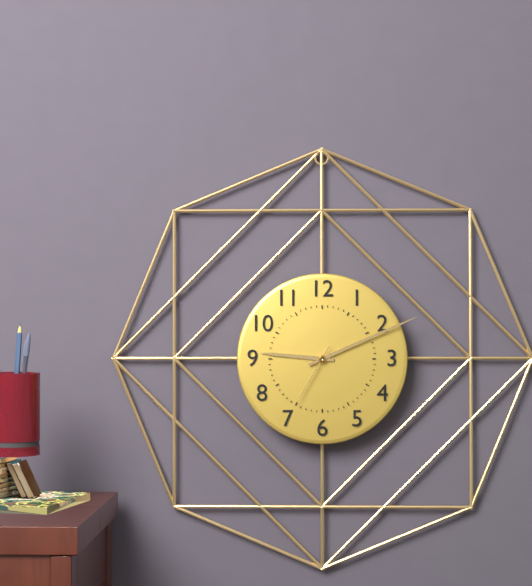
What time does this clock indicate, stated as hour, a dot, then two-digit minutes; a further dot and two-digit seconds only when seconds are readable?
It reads 9.11.35
